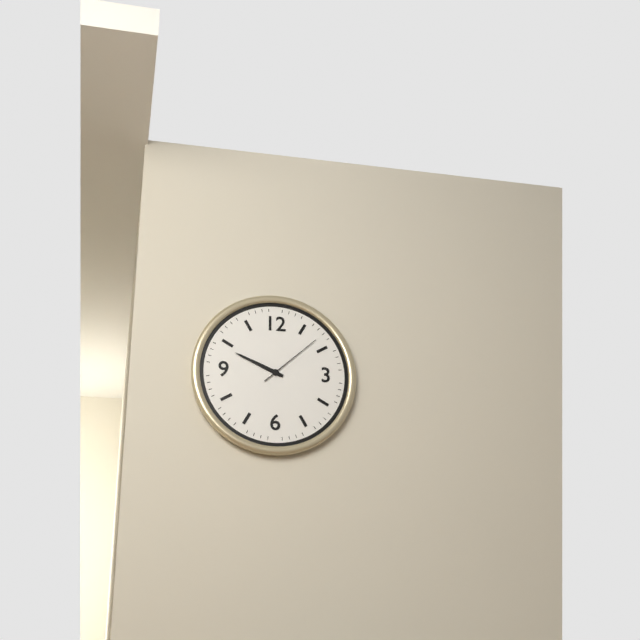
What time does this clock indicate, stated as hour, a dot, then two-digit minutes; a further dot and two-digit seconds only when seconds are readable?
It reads 9.49.08
